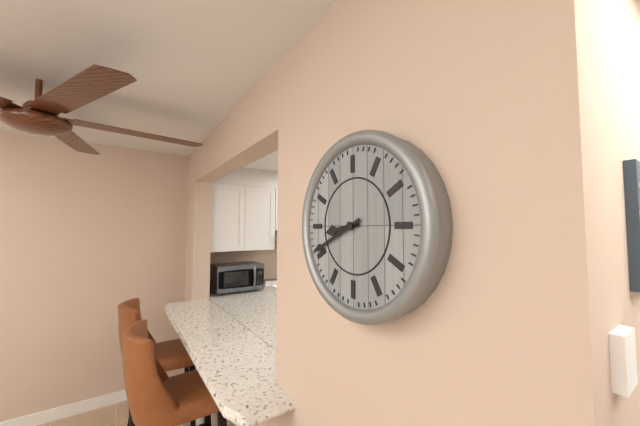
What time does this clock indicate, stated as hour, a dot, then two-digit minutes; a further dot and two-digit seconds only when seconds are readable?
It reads 8.41
